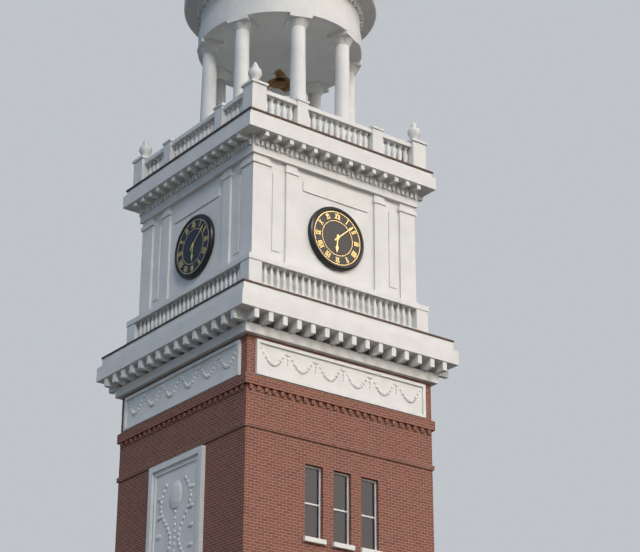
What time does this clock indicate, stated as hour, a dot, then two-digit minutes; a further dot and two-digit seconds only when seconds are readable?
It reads 6.08
